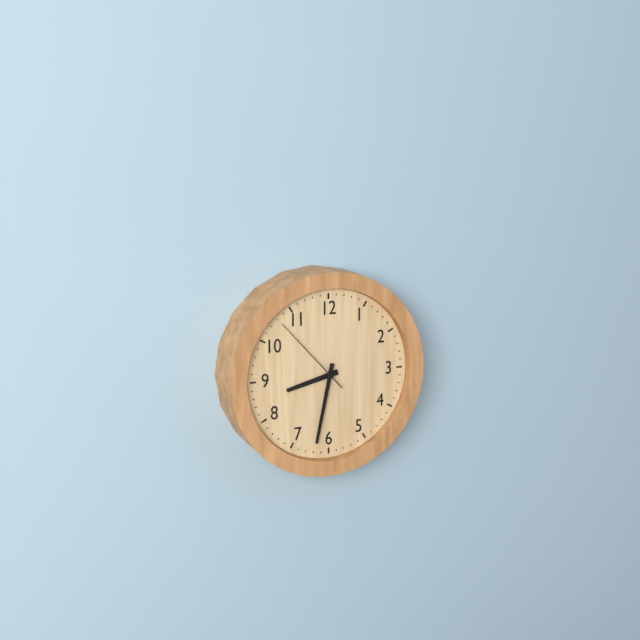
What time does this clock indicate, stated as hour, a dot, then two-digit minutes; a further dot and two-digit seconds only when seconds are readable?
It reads 8.32.53
